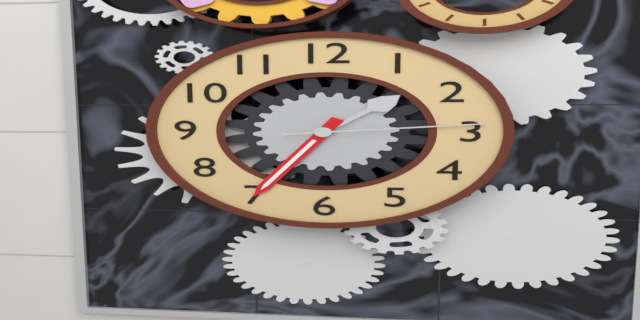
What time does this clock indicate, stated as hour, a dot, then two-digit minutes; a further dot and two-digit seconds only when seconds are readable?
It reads 1.35.14
